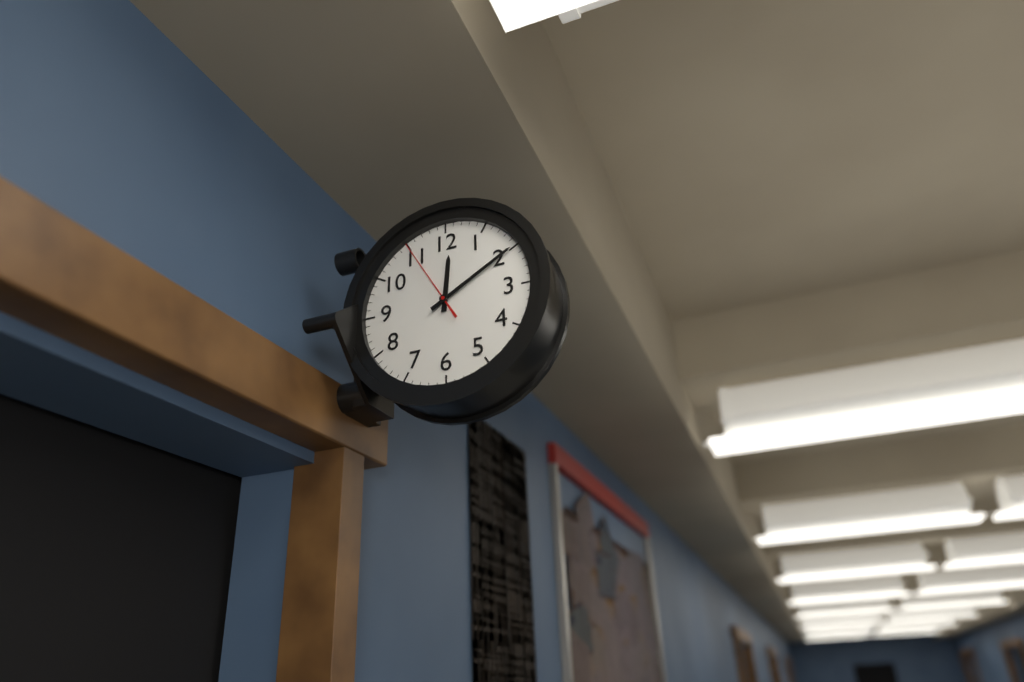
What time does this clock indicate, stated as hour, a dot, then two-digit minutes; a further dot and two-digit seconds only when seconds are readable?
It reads 12.10.55
